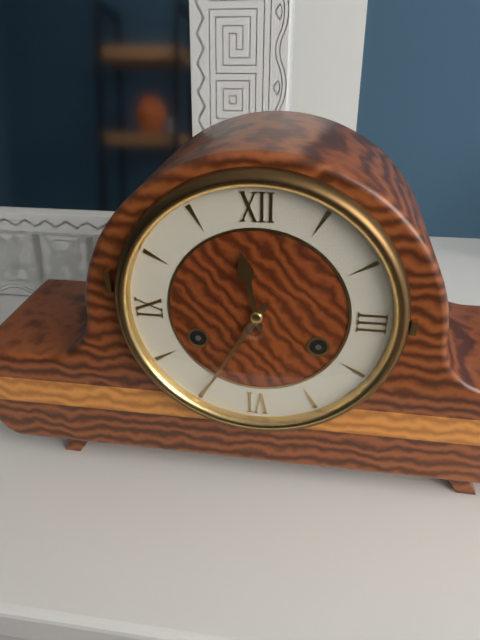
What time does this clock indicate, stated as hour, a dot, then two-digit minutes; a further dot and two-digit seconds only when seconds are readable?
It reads 11.35
